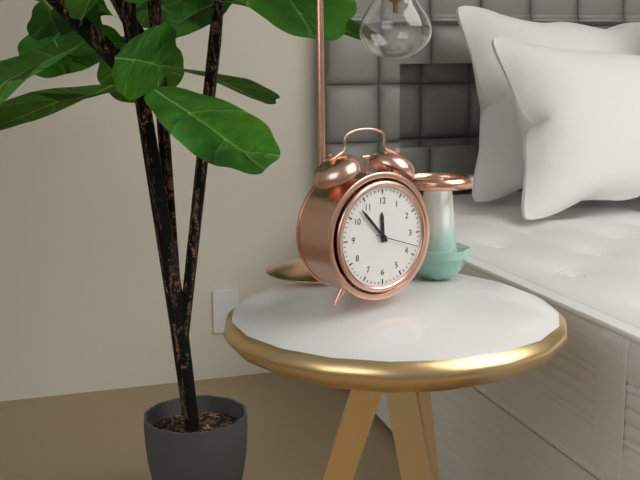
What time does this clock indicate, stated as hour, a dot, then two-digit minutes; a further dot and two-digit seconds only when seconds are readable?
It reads 11.53
